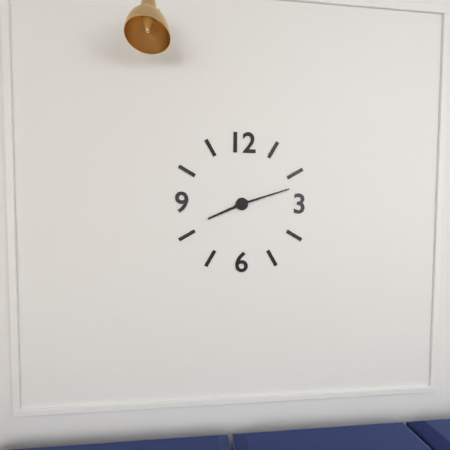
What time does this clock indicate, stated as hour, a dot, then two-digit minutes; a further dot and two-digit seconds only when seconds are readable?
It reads 8.12
